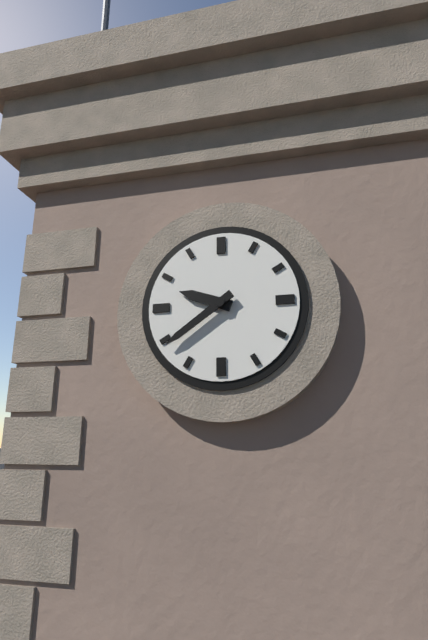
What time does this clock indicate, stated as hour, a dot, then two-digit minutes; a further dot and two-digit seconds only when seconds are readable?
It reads 9.39
